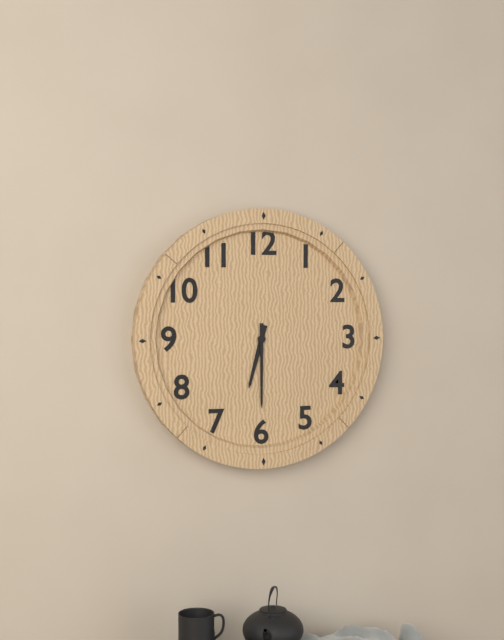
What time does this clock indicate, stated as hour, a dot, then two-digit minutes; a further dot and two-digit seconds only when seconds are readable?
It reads 6.30
